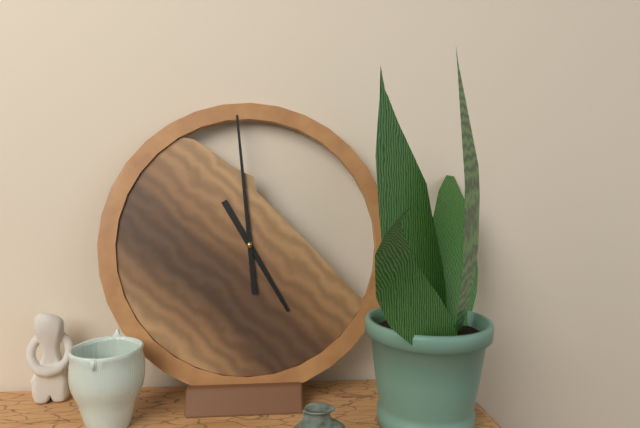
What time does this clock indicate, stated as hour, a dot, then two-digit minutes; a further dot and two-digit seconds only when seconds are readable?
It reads 4.59
